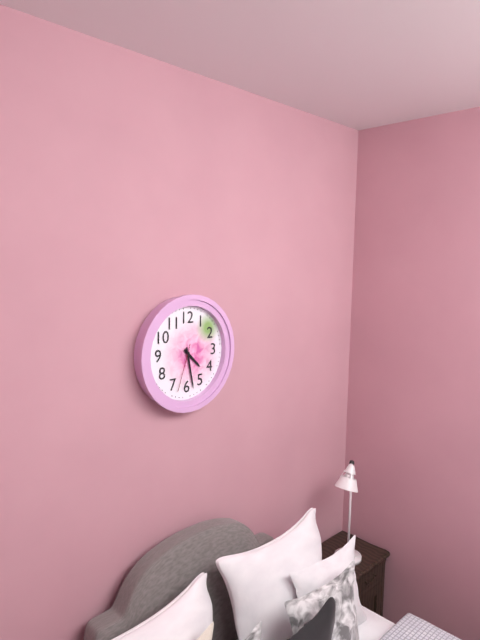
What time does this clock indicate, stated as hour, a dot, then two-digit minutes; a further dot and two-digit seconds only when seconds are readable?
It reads 4.28.33
